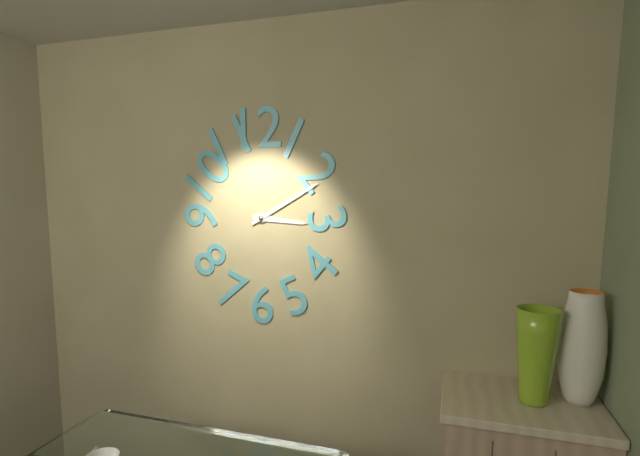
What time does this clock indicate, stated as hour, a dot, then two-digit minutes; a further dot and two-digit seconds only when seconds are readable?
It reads 3.10
